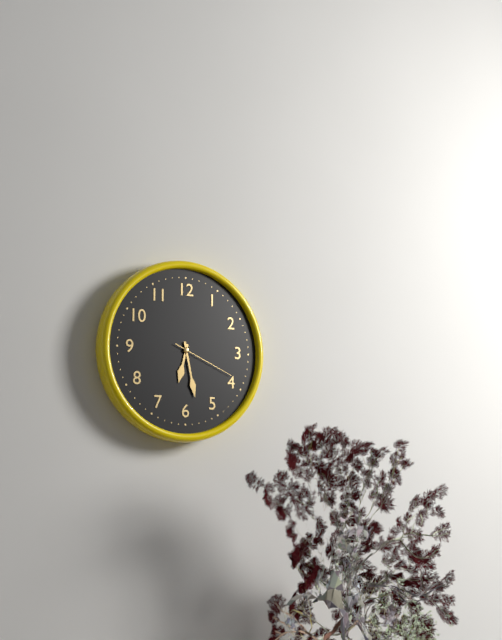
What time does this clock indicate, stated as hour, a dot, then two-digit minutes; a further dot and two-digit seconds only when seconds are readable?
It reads 6.28.19
